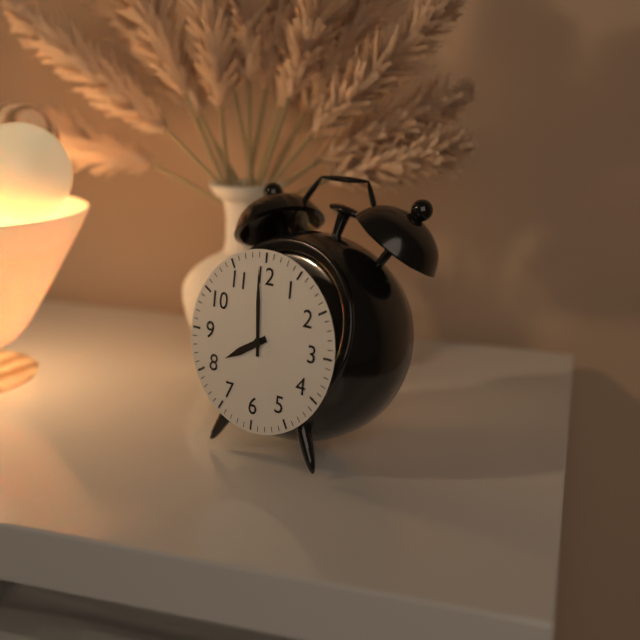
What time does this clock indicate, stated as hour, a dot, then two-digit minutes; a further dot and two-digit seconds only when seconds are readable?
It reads 7.59
